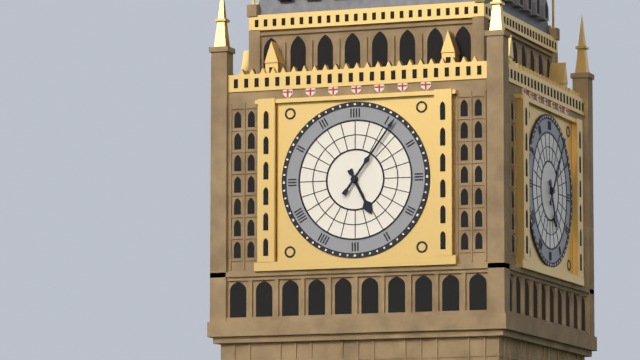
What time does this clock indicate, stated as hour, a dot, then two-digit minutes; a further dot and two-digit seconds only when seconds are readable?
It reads 5.06
